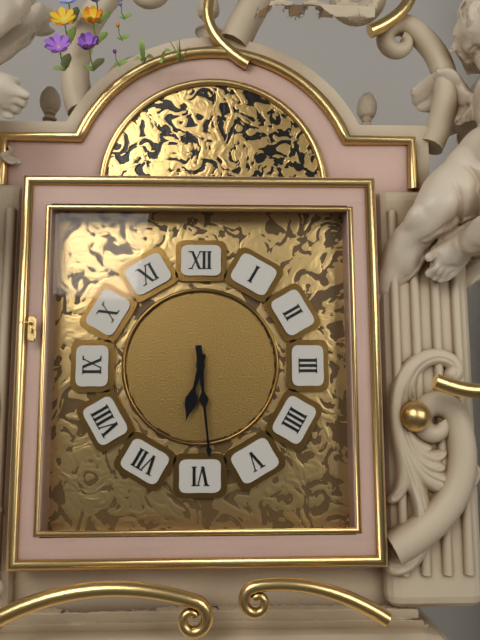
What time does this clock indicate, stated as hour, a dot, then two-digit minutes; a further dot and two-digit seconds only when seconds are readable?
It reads 6.29
